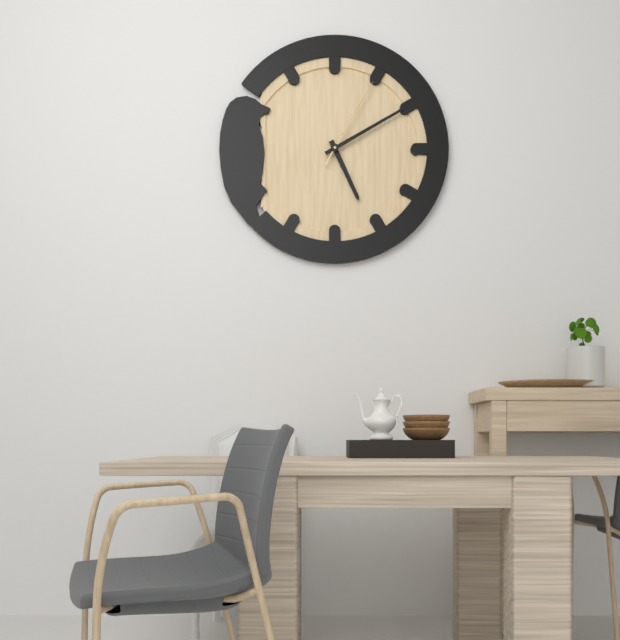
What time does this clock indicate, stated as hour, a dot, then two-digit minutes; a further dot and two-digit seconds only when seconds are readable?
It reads 5.10.05
